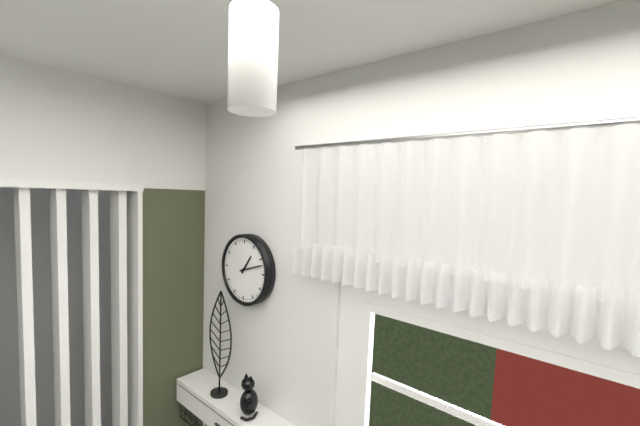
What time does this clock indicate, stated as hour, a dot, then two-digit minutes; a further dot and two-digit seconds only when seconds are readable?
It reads 1.12
